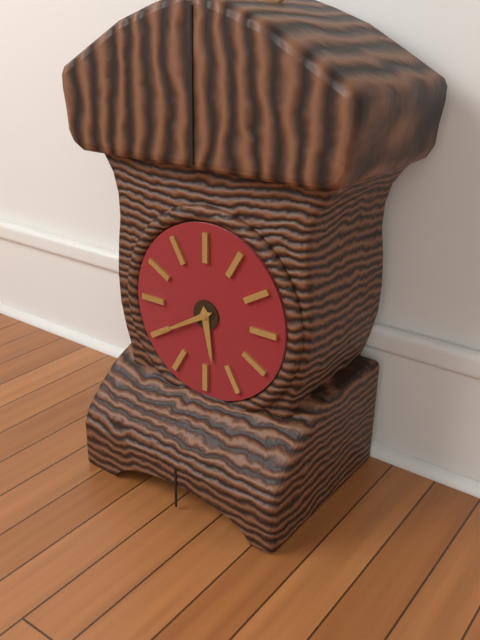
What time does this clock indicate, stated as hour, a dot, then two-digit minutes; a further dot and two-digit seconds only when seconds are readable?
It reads 5.40
